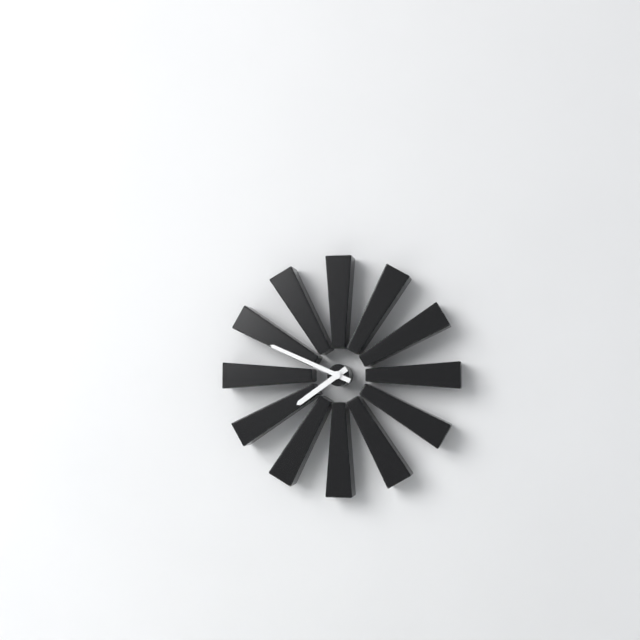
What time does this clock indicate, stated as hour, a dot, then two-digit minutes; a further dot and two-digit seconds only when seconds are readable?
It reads 7.49
